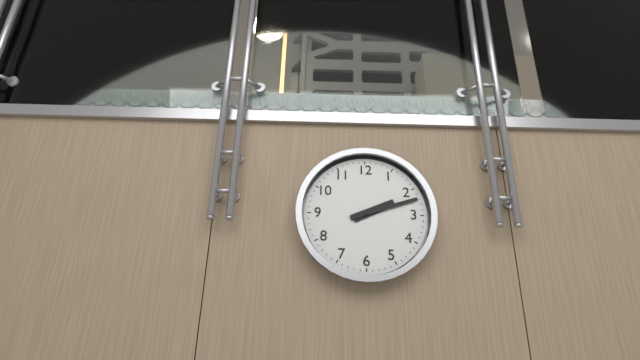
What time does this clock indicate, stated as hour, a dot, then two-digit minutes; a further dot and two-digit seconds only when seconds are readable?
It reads 2.12
